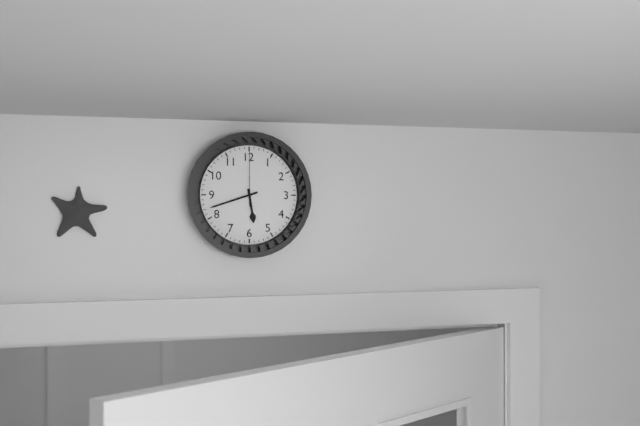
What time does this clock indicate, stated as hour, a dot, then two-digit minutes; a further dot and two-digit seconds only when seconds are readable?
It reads 5.42.00
